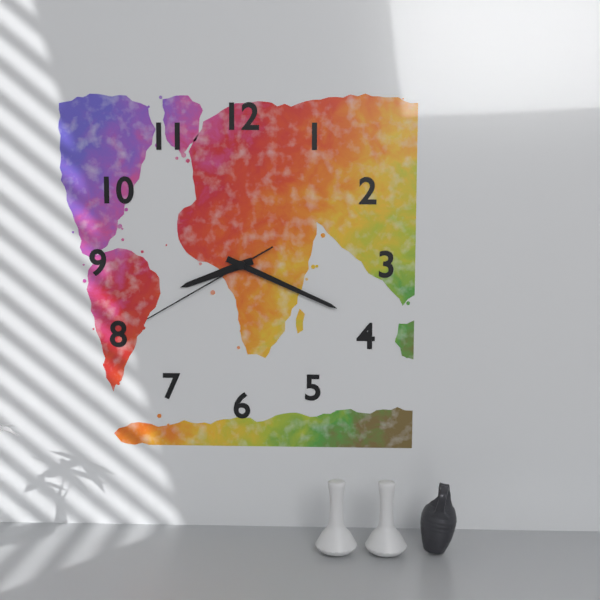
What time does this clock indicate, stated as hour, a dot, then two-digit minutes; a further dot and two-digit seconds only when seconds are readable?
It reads 8.19.40
